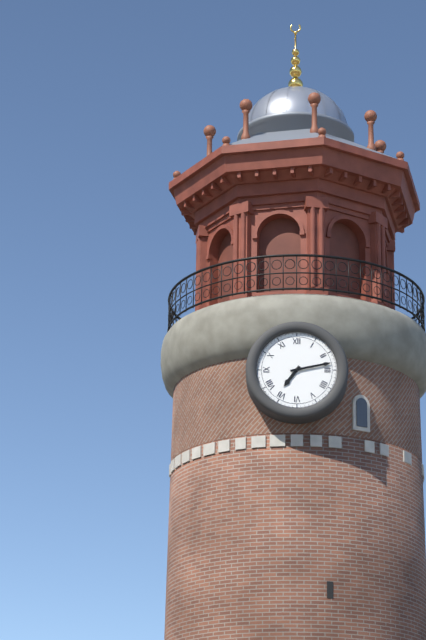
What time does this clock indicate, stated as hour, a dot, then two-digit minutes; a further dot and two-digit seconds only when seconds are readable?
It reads 7.13
